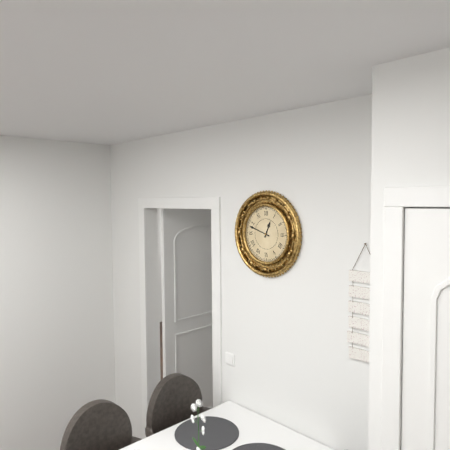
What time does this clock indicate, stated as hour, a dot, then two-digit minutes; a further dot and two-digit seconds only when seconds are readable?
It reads 12.48
